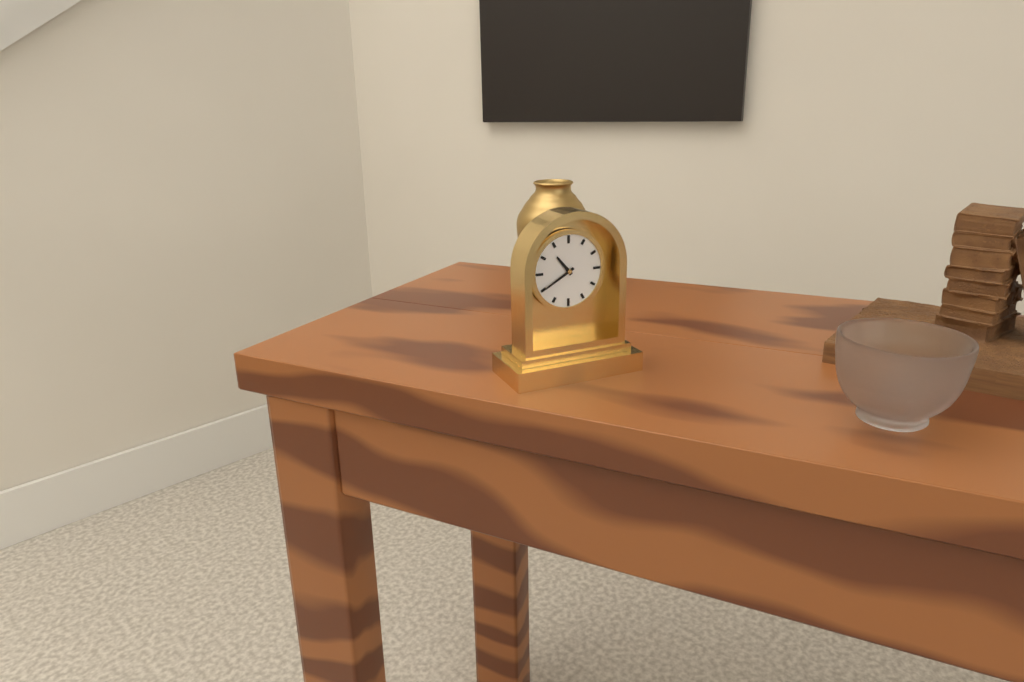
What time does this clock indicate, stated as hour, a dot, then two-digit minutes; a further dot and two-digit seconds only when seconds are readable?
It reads 10.40
